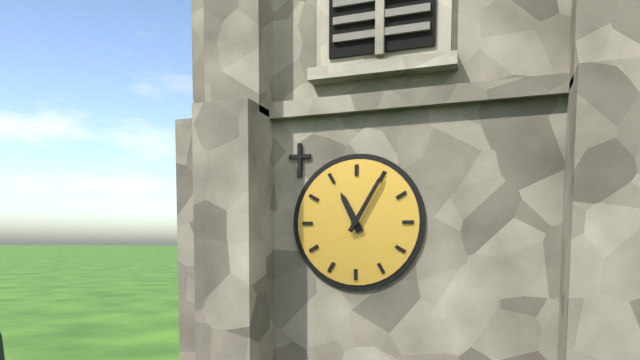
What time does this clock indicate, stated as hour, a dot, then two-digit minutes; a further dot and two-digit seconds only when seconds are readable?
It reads 11.05
